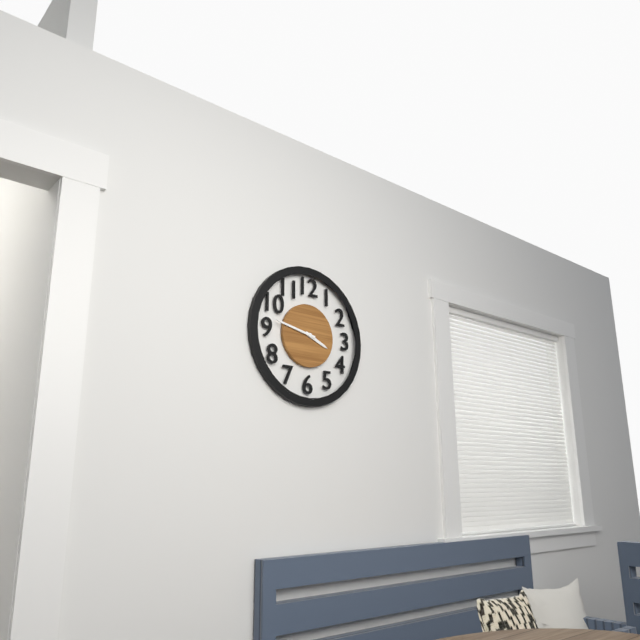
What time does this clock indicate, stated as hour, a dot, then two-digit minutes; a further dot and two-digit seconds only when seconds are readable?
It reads 3.47
